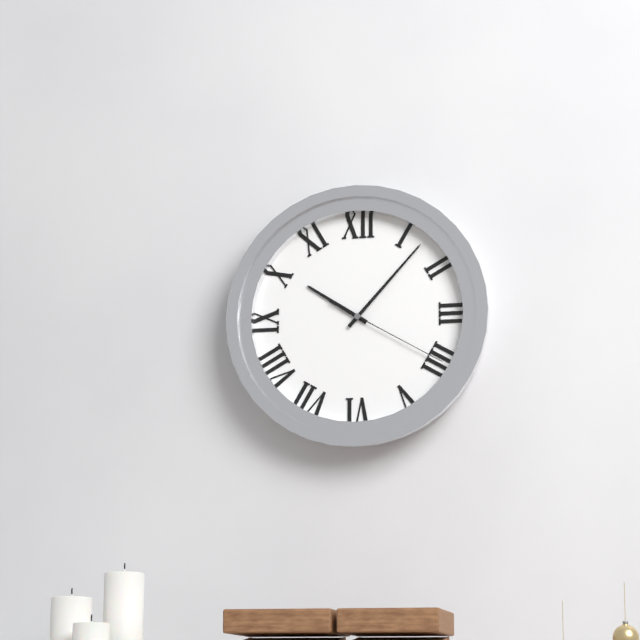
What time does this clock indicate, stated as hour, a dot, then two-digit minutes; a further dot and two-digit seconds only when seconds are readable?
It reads 10.07.20
